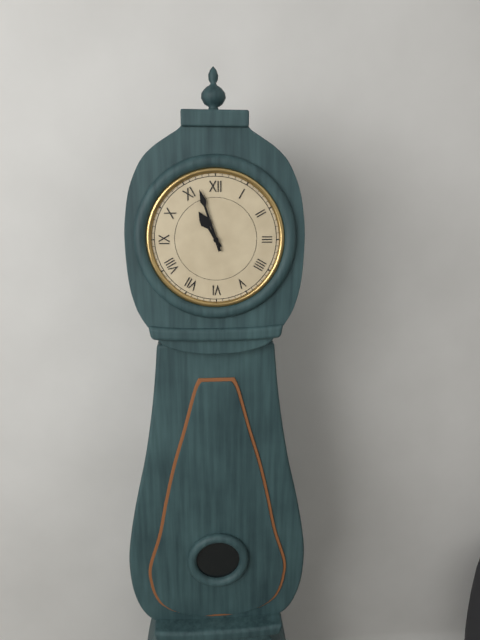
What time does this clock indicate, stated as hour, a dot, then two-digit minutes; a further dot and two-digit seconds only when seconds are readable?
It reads 10.57
